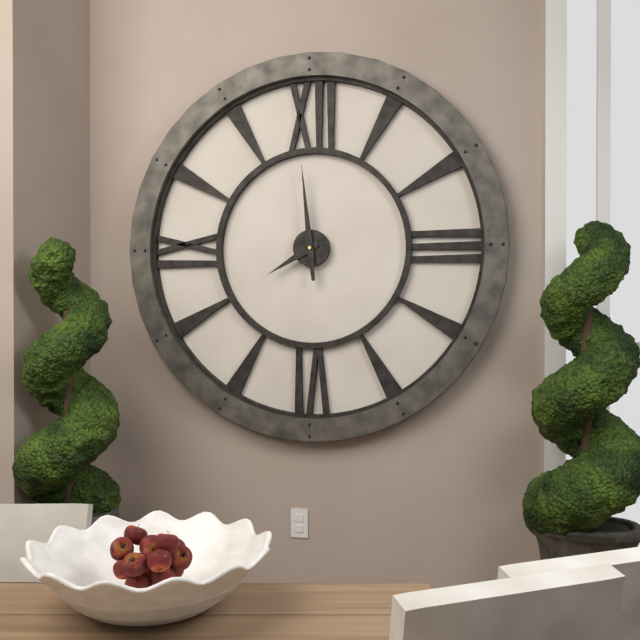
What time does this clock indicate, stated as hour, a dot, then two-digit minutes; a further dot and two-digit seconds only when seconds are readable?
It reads 7.59
